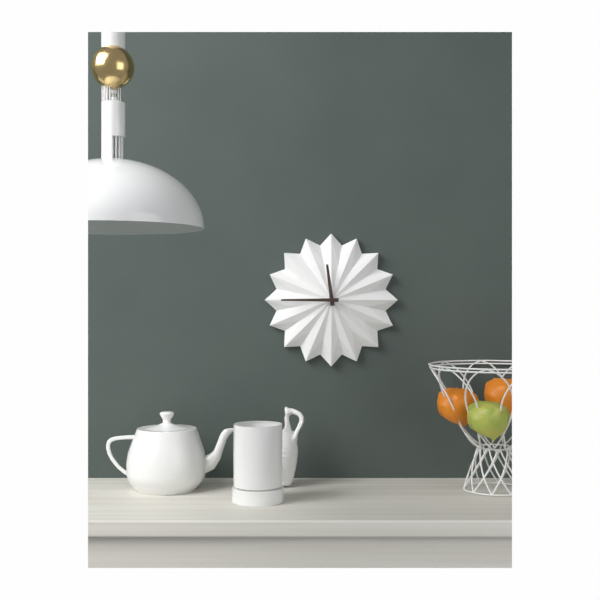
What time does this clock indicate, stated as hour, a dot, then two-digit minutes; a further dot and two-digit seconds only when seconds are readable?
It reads 11.45
